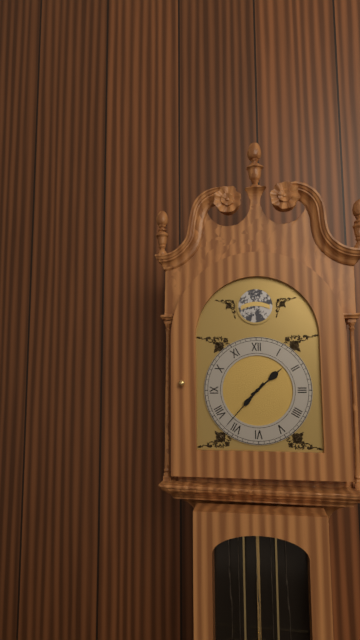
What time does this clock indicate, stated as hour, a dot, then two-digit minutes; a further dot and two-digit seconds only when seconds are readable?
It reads 1.37
